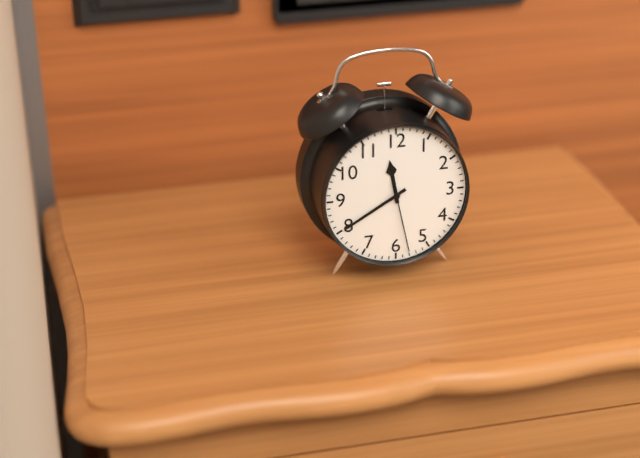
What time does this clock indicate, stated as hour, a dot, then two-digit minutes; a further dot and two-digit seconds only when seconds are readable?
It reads 11.40.28
